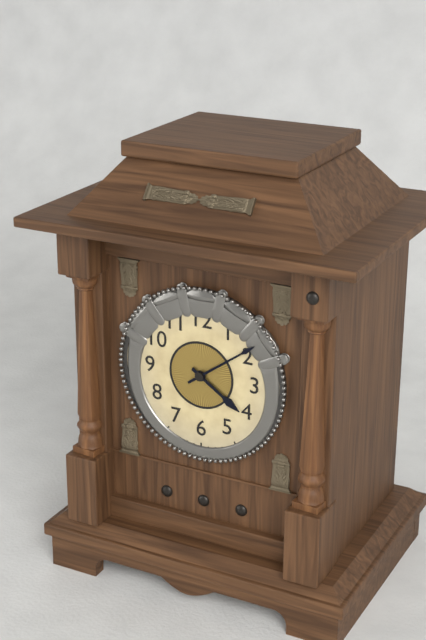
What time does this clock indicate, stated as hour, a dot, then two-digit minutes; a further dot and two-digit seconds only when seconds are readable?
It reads 4.09
